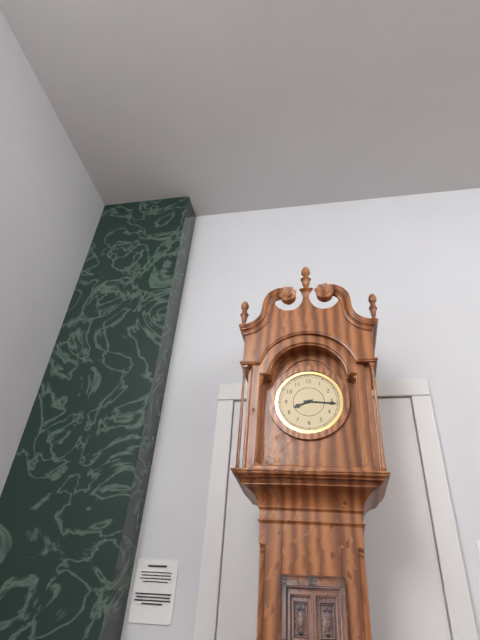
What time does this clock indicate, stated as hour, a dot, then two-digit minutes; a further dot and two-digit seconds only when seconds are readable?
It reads 8.16
